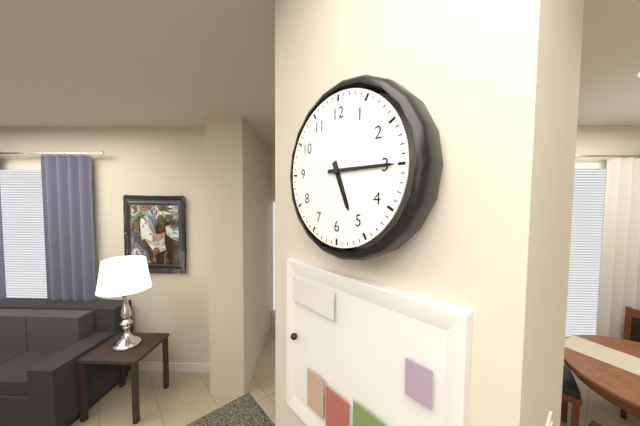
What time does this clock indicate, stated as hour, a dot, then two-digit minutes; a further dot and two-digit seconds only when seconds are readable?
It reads 5.15
